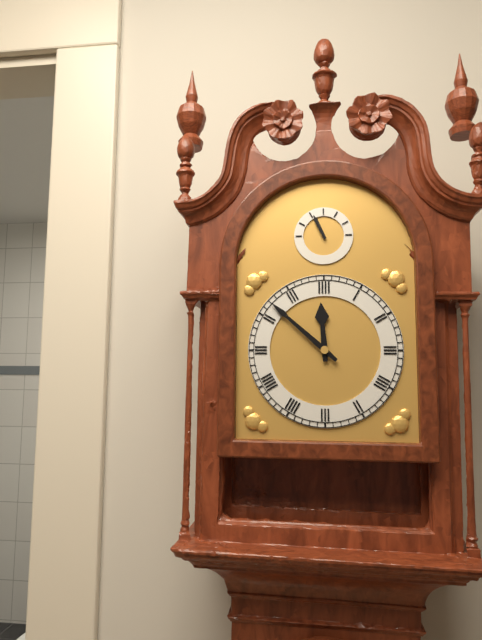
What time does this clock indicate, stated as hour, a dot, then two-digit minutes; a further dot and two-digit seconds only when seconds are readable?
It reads 11.52
